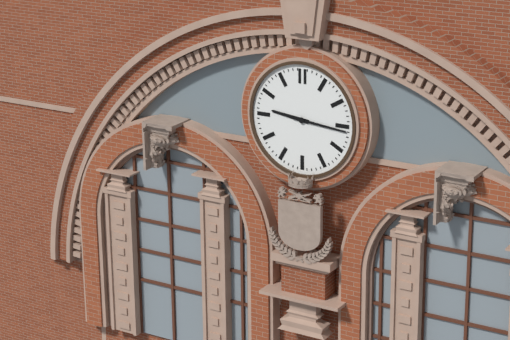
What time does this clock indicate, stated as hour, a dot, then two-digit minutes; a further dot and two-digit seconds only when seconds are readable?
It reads 9.16
